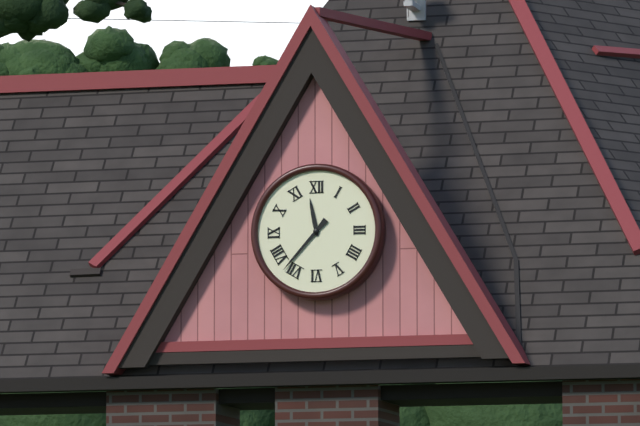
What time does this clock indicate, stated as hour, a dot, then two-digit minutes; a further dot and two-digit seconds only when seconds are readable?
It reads 11.37
